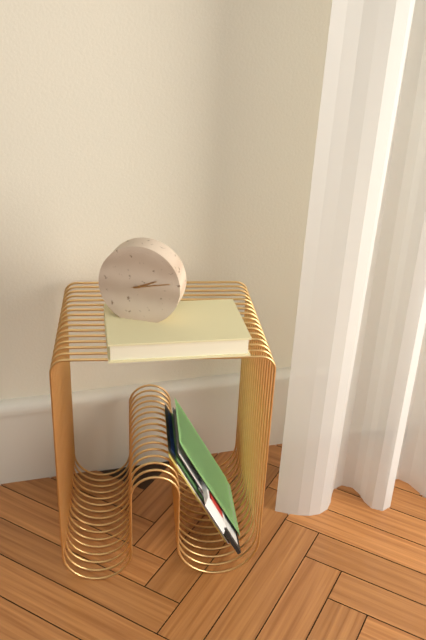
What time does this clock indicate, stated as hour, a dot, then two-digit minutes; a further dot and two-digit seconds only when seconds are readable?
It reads 2.13
